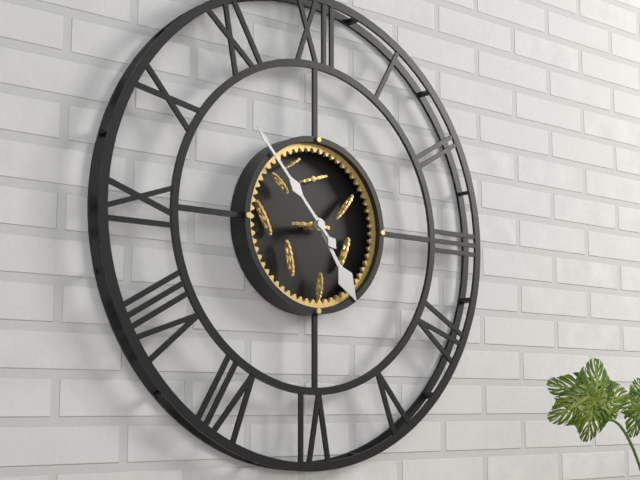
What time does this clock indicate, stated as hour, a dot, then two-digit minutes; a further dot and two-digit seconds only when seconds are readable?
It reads 4.53
